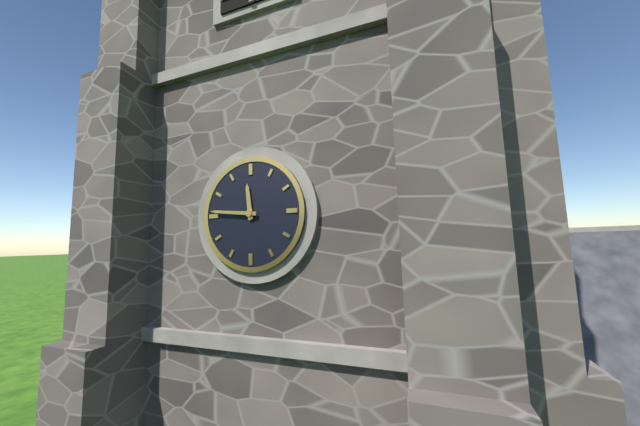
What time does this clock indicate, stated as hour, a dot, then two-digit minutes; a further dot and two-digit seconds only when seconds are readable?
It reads 11.46
